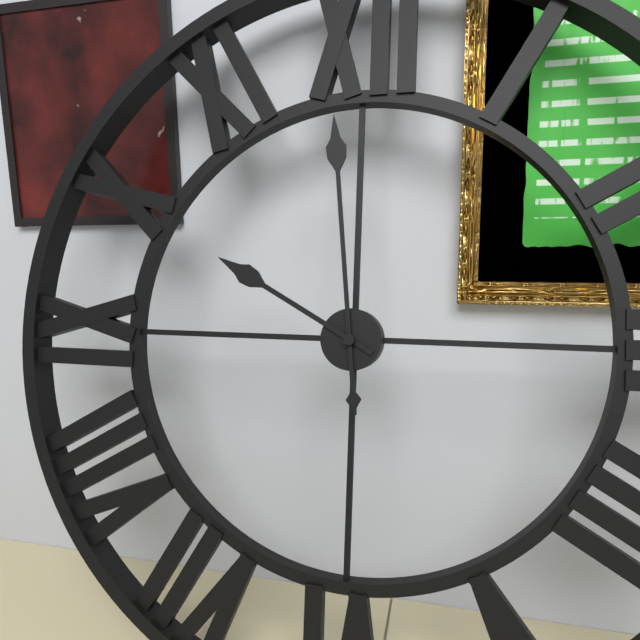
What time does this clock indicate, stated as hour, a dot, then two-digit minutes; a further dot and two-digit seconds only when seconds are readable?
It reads 9.59
